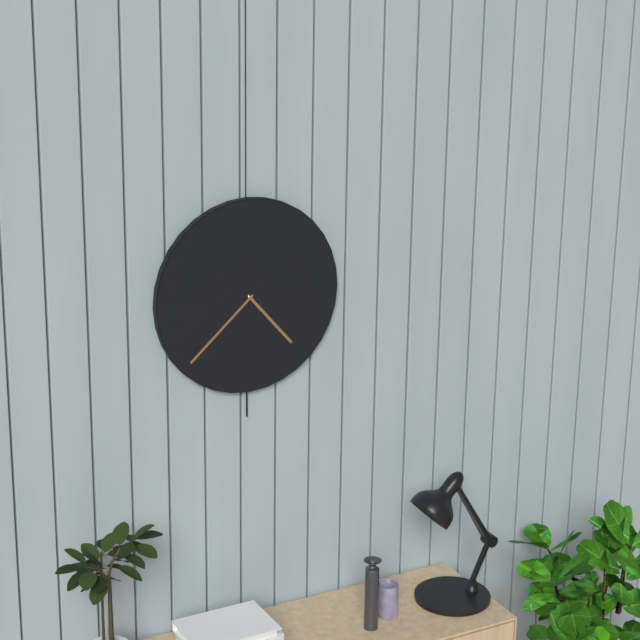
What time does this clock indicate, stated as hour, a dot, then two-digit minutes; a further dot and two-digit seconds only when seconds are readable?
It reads 4.38
